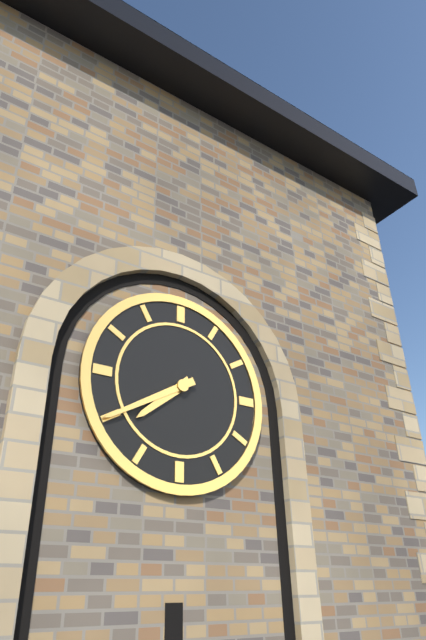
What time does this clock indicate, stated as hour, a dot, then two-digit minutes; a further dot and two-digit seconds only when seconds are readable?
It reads 7.40
